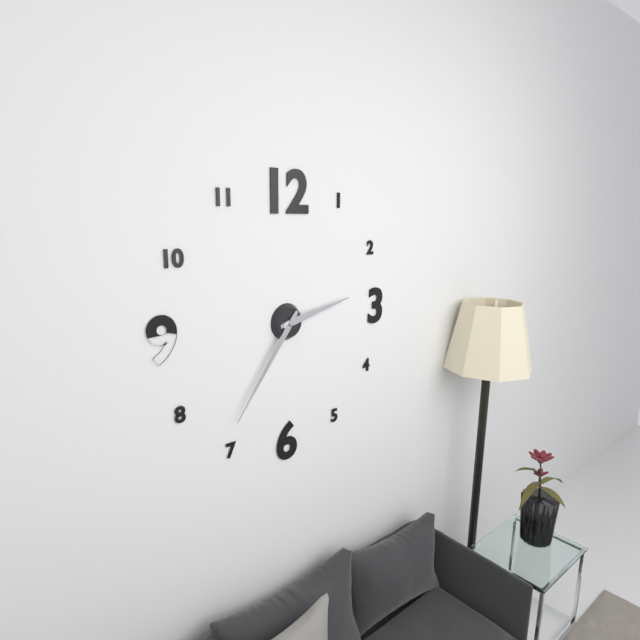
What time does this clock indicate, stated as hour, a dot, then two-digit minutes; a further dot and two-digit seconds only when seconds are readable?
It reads 2.36
